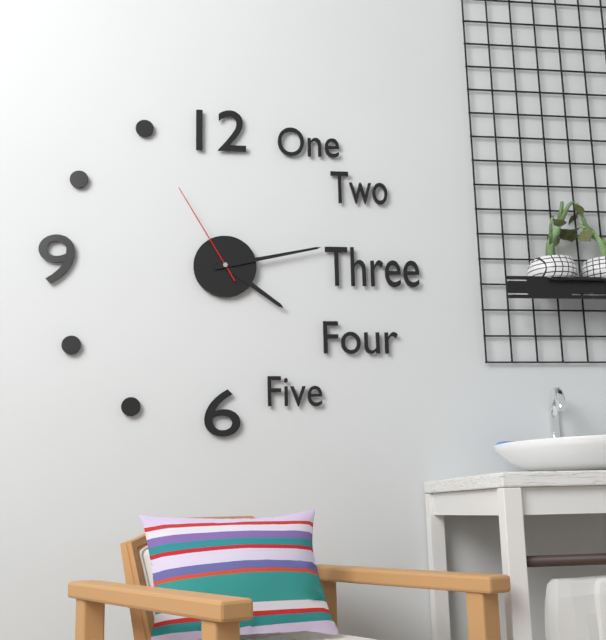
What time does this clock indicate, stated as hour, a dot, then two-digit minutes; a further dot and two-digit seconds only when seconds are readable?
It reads 4.13.55
